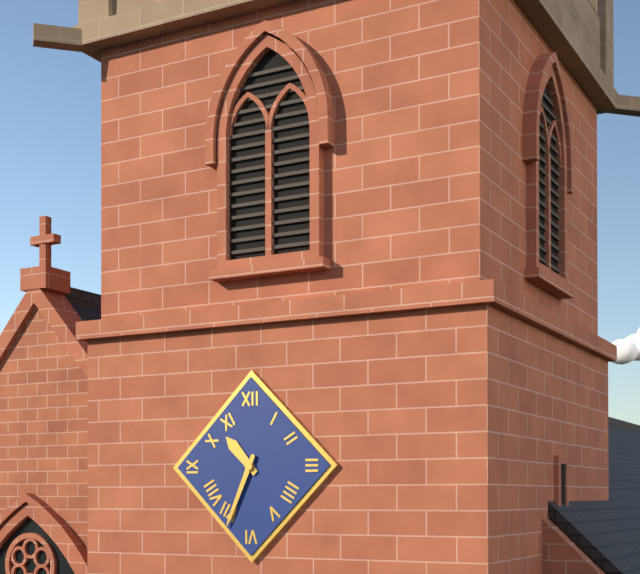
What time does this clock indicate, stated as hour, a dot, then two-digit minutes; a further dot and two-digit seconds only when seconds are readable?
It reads 10.34
